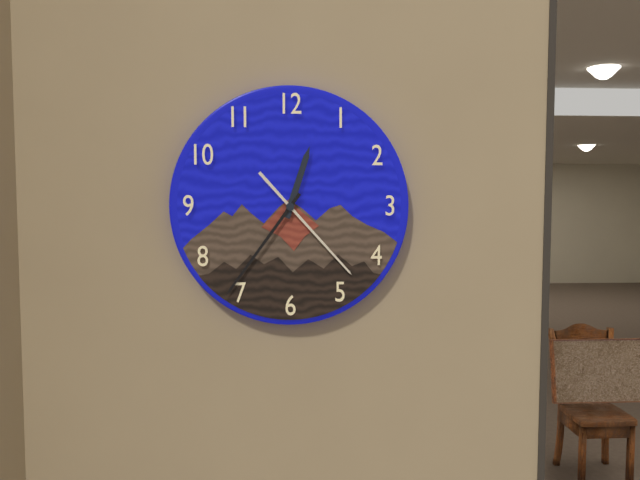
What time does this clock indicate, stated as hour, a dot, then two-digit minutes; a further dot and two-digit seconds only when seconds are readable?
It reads 12.36.23
